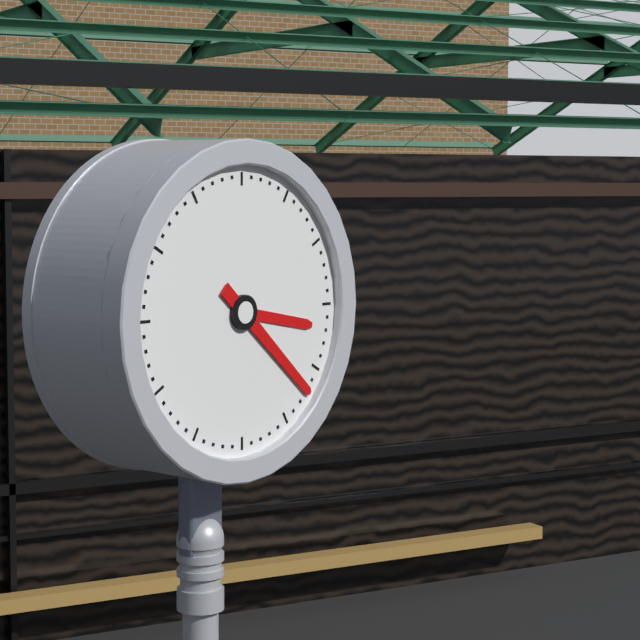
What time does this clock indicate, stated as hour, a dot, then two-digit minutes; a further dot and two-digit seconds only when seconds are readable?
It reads 3.22
